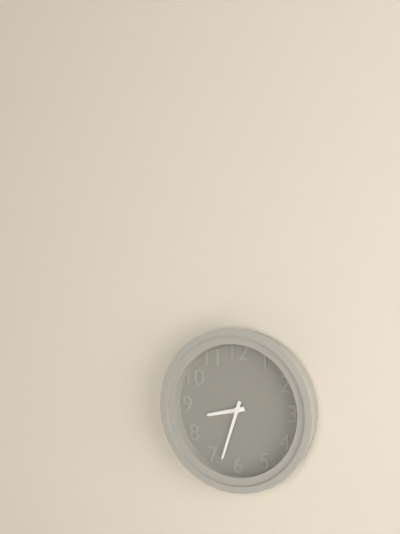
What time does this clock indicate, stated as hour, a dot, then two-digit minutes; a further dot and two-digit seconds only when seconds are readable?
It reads 8.33
